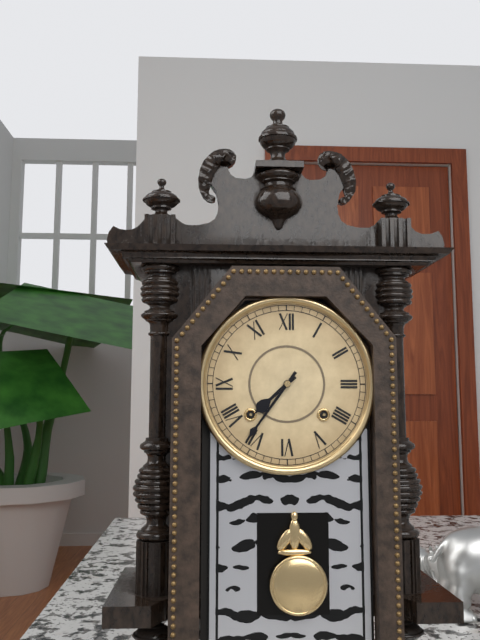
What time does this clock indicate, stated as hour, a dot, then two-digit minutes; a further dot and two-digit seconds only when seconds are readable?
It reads 7.36
